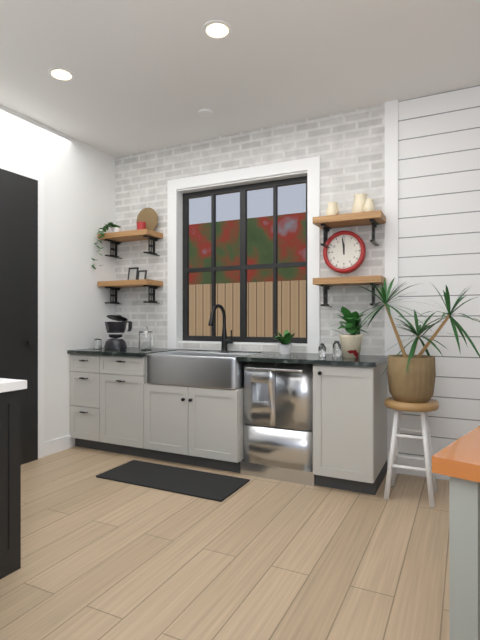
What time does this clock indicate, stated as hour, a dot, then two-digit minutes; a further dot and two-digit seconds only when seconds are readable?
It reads 11.59
